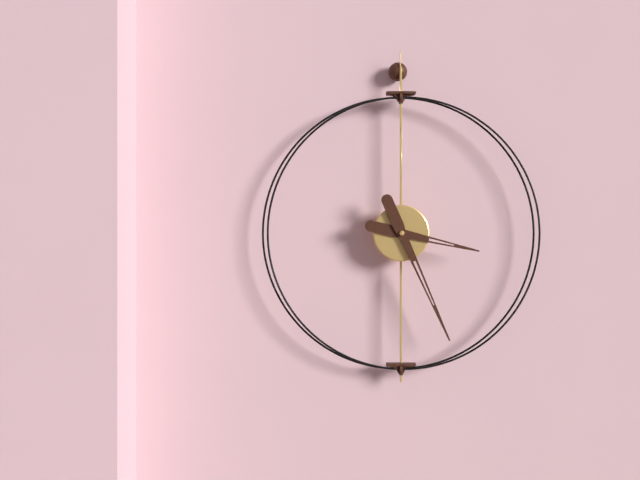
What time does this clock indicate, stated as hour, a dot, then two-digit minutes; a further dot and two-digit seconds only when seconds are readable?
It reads 3.26
